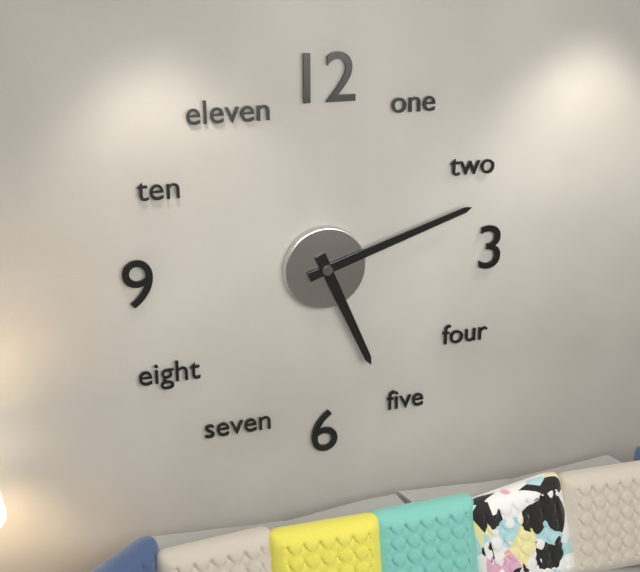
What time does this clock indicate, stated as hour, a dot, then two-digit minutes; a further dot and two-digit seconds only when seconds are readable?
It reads 5.12
